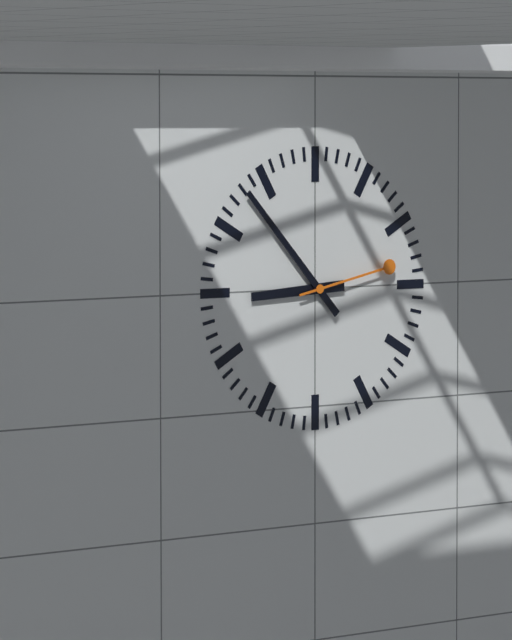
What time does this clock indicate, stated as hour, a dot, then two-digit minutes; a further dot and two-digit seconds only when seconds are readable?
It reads 8.53.13
